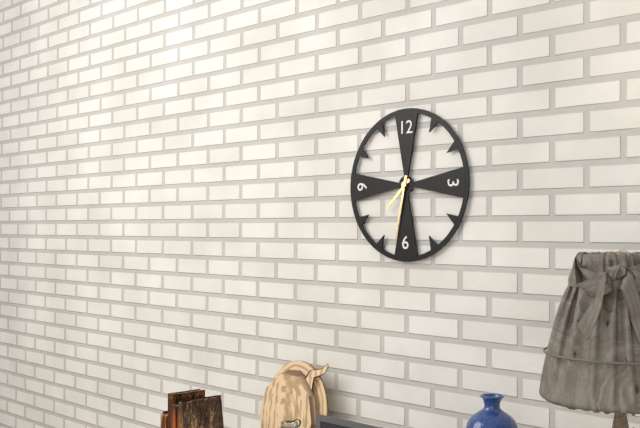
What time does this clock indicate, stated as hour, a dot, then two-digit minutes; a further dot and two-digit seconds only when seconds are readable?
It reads 7.32
